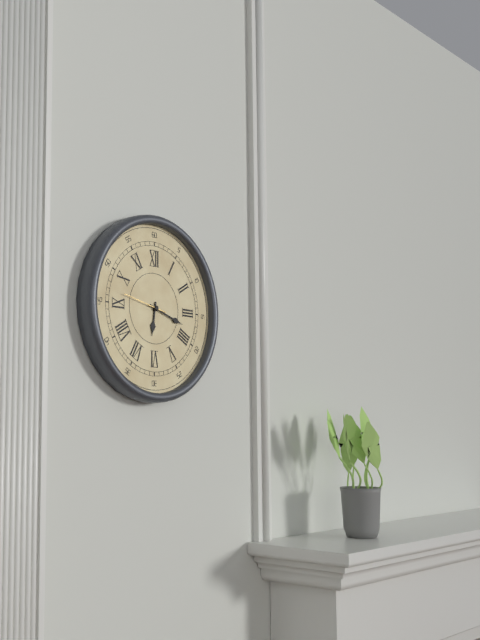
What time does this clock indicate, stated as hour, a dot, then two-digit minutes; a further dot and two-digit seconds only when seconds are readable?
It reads 6.18
